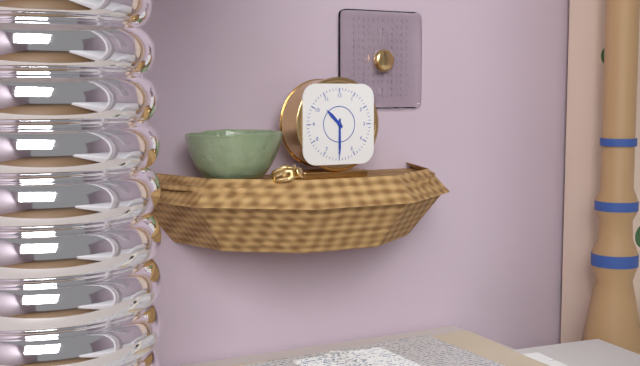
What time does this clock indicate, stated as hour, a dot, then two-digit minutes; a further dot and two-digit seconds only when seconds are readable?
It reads 10.30
